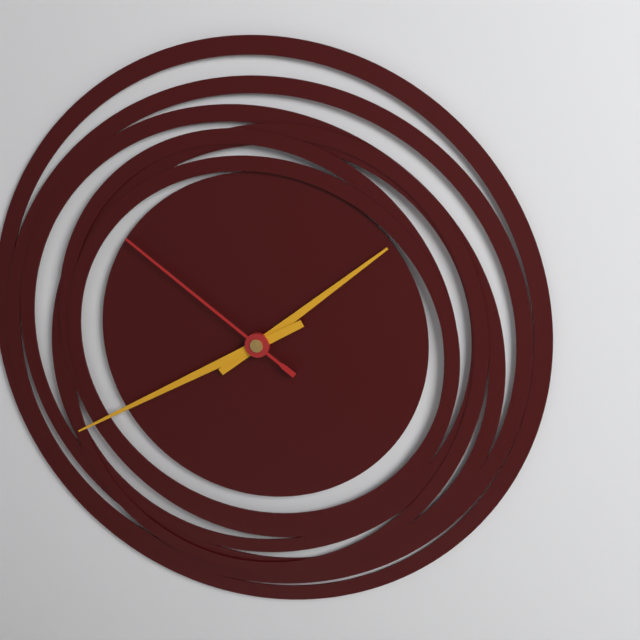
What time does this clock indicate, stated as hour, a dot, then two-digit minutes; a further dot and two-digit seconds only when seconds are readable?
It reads 1.40.51
